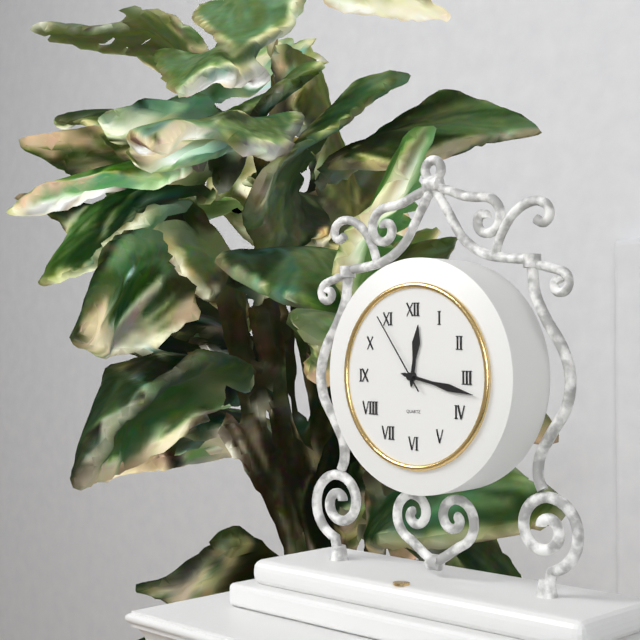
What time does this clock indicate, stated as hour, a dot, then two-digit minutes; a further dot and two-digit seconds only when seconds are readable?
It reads 12.17.54
